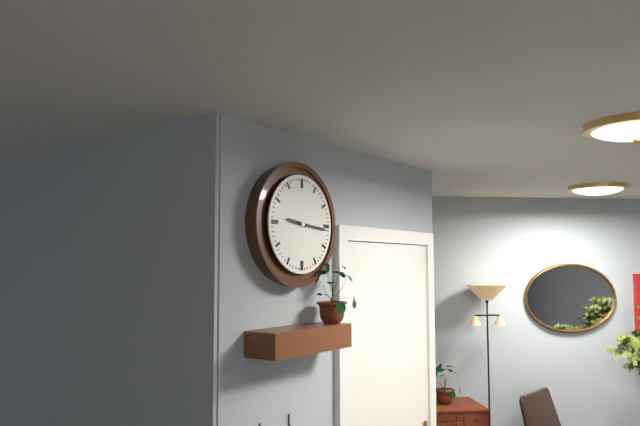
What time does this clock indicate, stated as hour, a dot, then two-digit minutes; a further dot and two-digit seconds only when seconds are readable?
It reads 9.16
